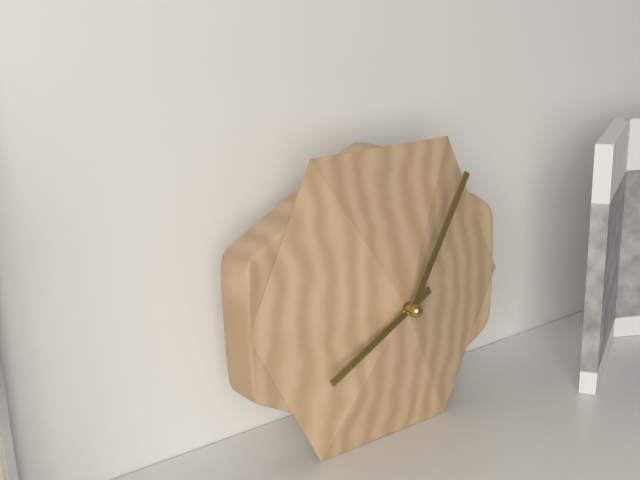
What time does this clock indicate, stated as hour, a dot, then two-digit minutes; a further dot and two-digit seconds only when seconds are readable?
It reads 8.05
